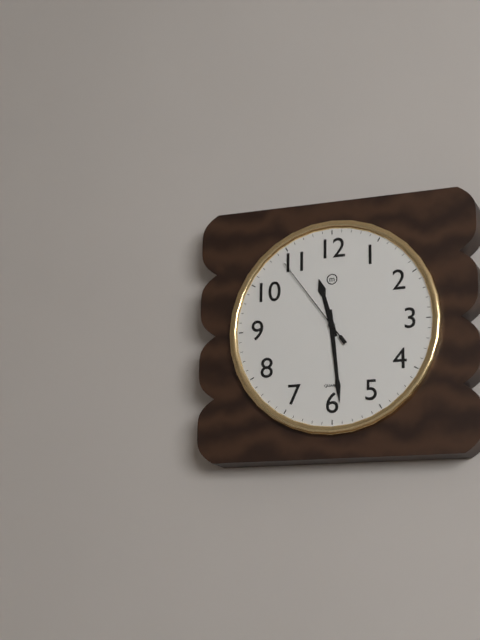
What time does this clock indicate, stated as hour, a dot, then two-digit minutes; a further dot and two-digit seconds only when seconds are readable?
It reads 11.29.54
